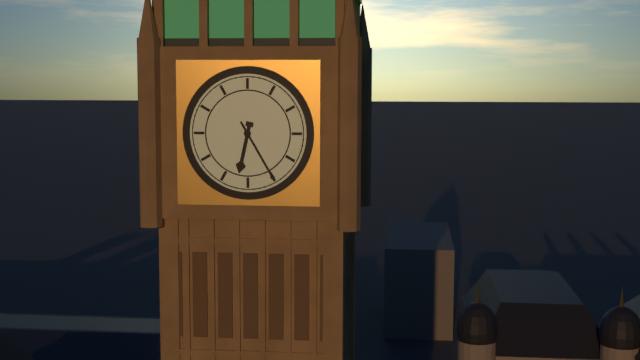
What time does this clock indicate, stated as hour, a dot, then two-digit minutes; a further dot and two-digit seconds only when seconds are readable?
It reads 6.25
